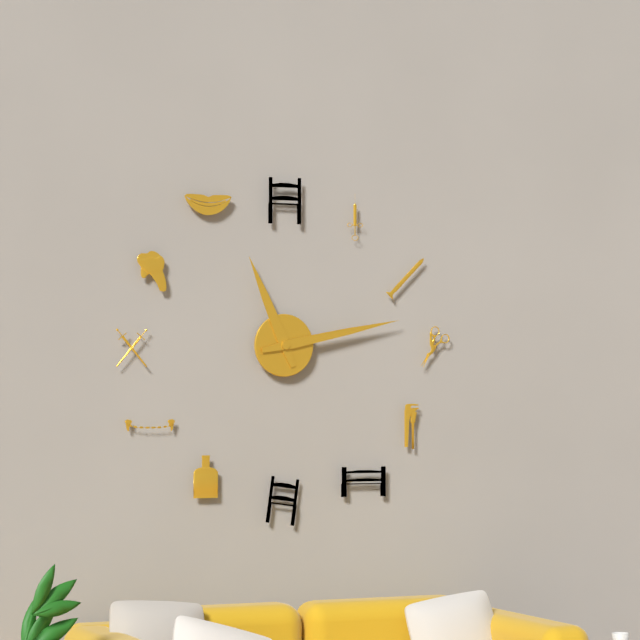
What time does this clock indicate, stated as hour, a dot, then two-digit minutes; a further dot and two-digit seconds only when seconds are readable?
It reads 11.13
